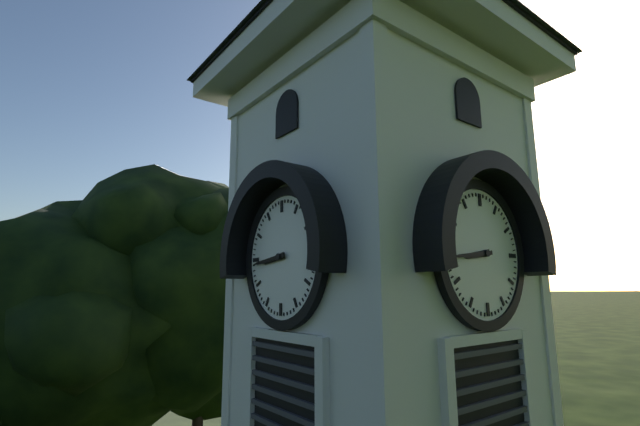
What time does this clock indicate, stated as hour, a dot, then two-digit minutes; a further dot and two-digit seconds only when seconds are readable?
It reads 8.44
